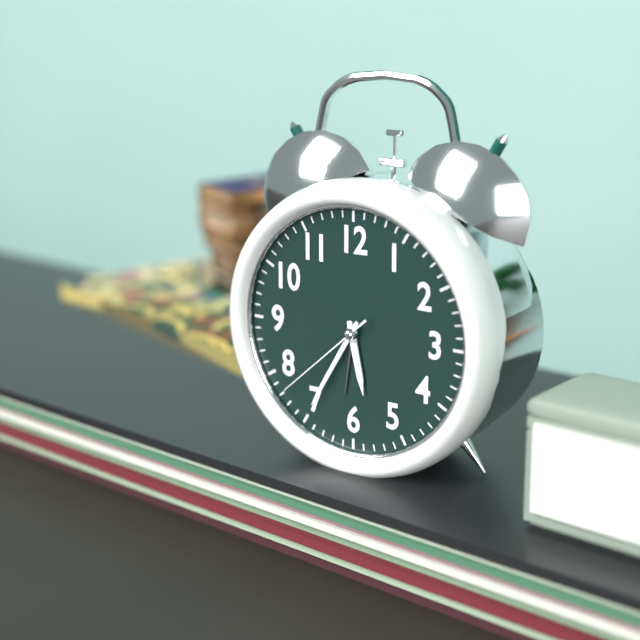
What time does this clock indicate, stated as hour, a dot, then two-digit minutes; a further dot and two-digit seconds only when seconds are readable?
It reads 5.35.38
